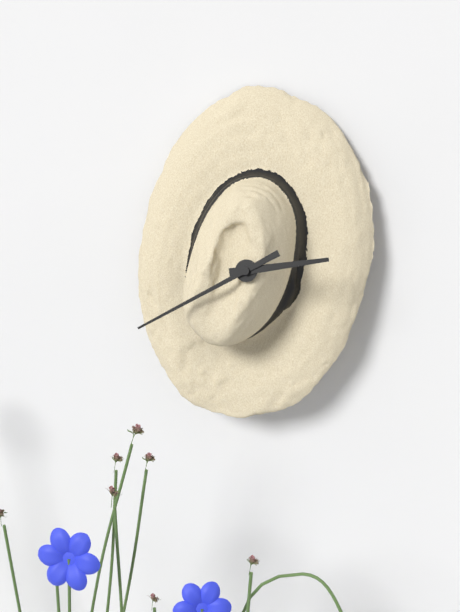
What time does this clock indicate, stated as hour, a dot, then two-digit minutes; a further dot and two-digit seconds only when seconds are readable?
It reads 2.40
